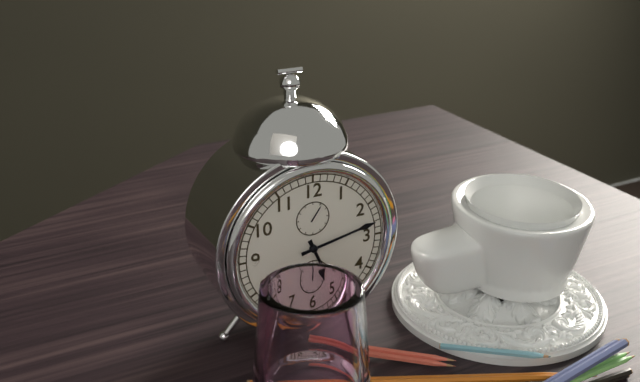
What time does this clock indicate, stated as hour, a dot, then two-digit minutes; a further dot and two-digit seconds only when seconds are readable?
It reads 5.13
